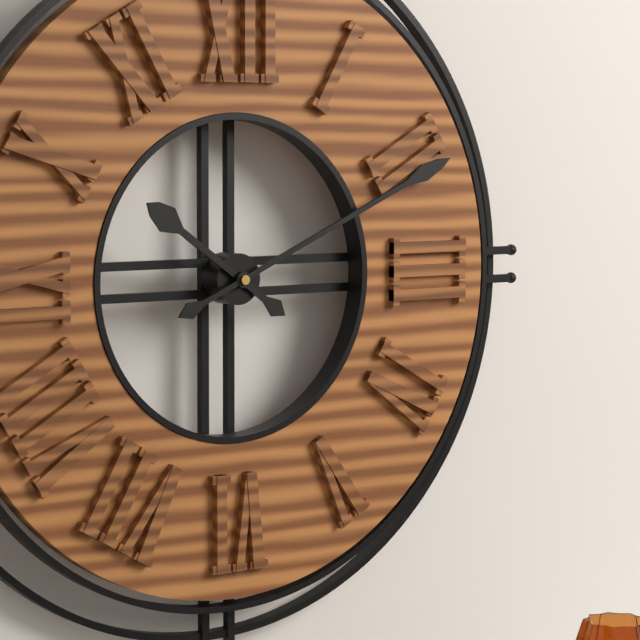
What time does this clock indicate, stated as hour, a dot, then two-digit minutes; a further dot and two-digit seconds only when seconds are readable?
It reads 10.11
